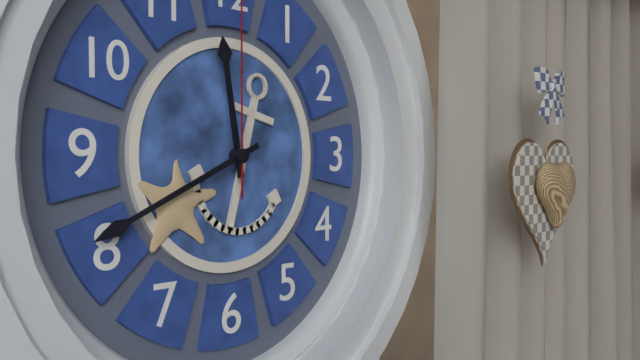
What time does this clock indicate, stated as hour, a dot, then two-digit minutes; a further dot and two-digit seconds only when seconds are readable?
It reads 11.41
